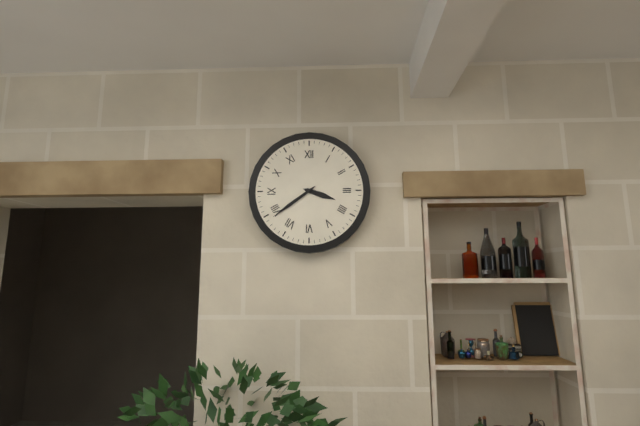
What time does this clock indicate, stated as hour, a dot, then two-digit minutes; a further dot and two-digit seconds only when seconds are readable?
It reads 3.39
